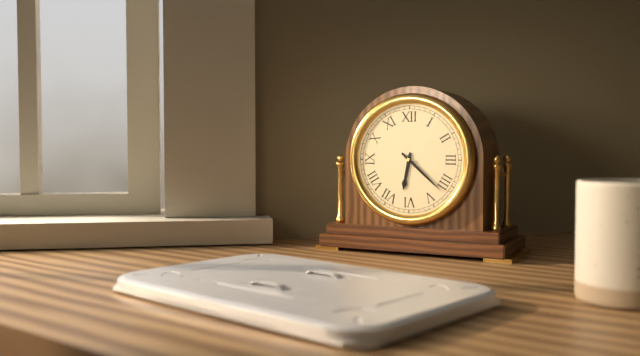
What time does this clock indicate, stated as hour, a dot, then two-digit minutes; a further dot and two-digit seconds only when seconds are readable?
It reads 6.22
